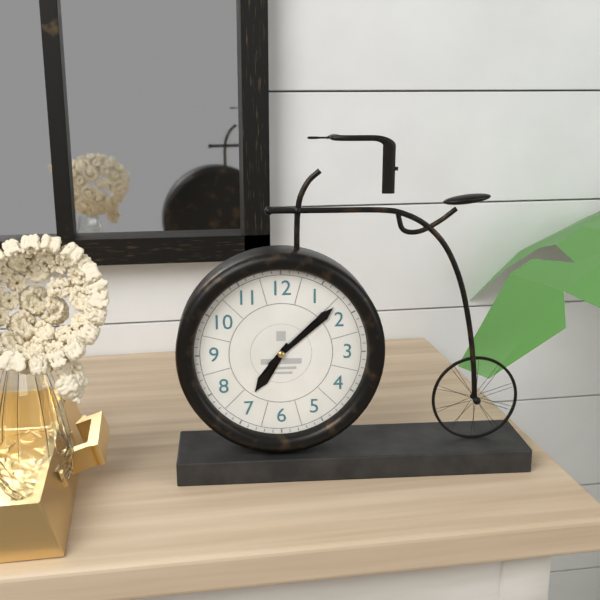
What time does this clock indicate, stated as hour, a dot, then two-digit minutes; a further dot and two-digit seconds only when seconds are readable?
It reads 7.08
